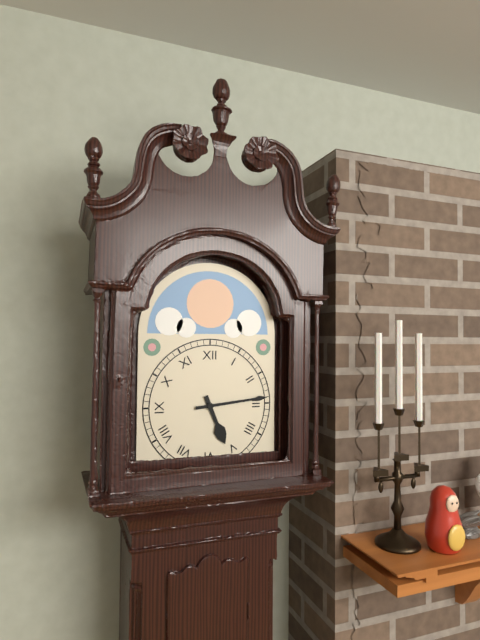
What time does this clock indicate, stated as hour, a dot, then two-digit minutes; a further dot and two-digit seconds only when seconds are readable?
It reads 5.14
